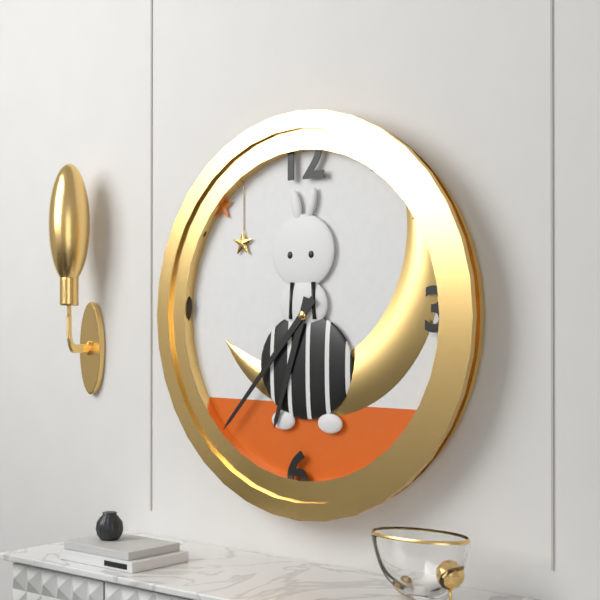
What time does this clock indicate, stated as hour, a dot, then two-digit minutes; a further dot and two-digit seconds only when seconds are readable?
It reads 6.37
